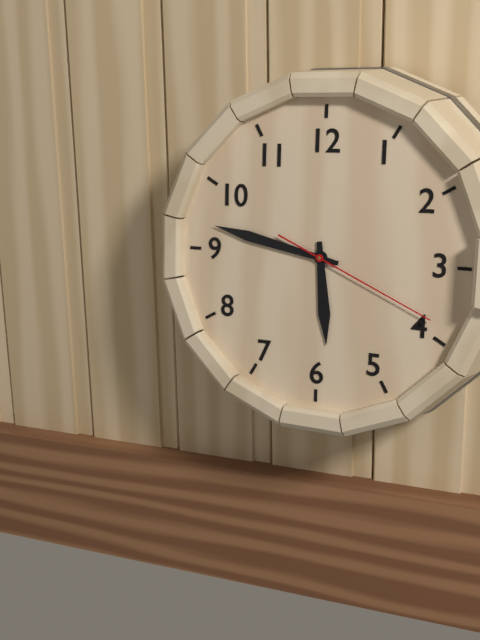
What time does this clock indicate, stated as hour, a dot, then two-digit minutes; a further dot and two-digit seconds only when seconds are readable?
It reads 5.47.19
